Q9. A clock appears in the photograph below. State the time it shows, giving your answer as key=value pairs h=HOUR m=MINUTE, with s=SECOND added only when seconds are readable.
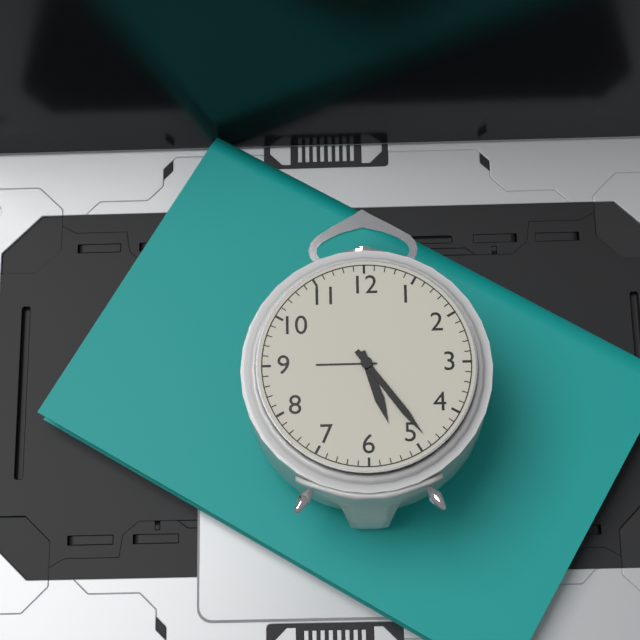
h=5 m=24
